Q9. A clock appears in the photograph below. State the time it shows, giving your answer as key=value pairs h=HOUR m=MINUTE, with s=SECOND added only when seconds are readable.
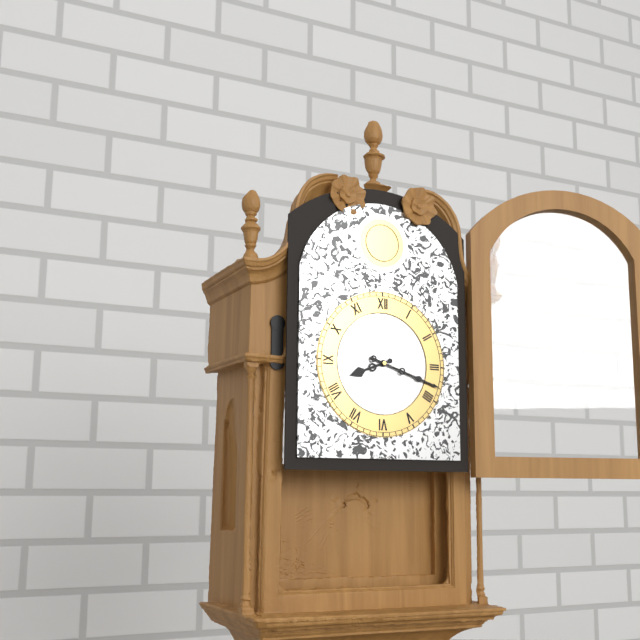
h=8 m=18
